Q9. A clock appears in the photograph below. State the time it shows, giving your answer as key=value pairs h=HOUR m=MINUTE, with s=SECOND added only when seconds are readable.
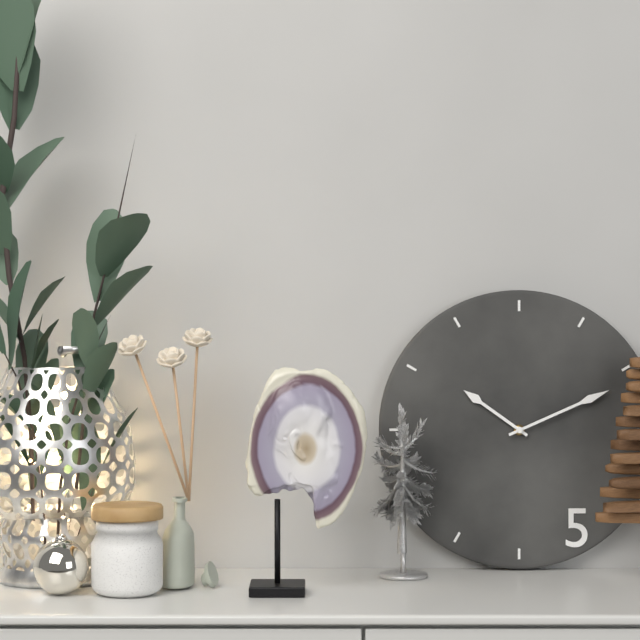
h=10 m=11
